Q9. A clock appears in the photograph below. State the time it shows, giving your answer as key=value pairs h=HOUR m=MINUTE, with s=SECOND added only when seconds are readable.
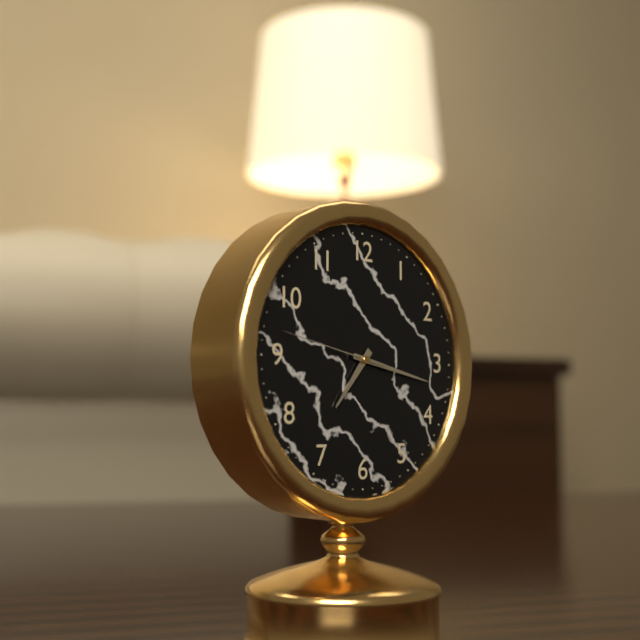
h=7 m=17 s=47
